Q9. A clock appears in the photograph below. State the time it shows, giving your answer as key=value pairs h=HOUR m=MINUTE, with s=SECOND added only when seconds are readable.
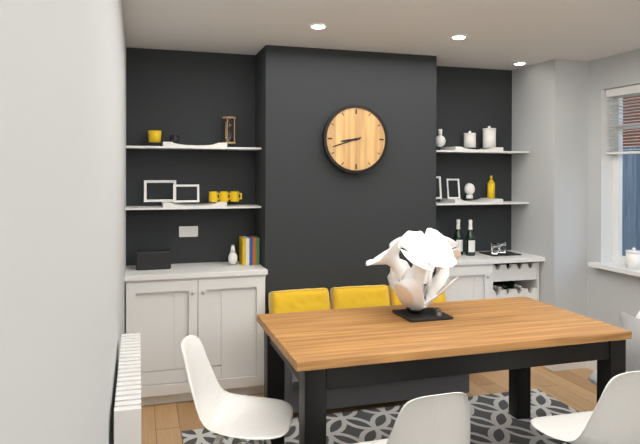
h=8 m=42
